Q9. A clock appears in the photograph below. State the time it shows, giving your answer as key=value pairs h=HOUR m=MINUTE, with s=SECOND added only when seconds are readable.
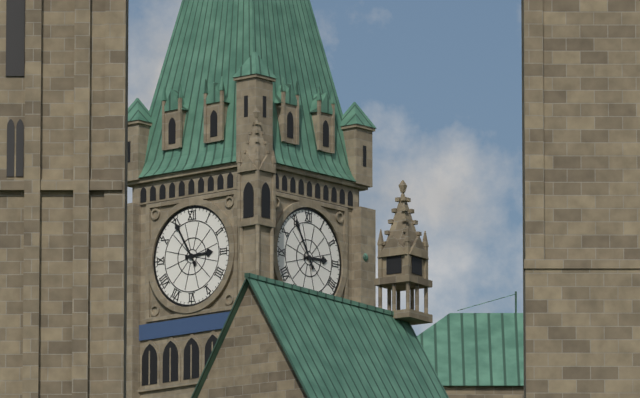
h=2 m=55
